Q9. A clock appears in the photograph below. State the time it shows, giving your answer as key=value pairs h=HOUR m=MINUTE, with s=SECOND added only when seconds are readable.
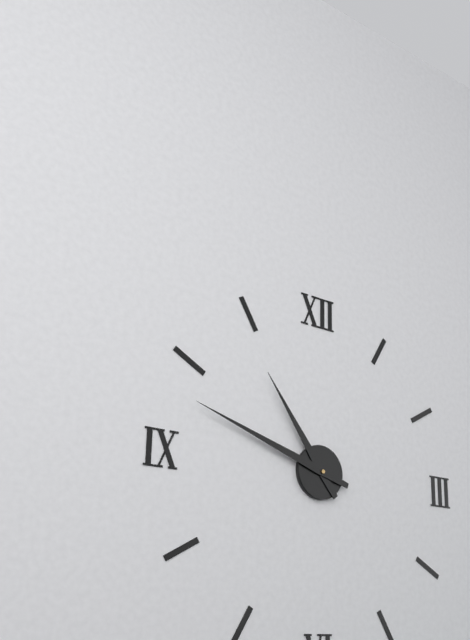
h=10 m=48
